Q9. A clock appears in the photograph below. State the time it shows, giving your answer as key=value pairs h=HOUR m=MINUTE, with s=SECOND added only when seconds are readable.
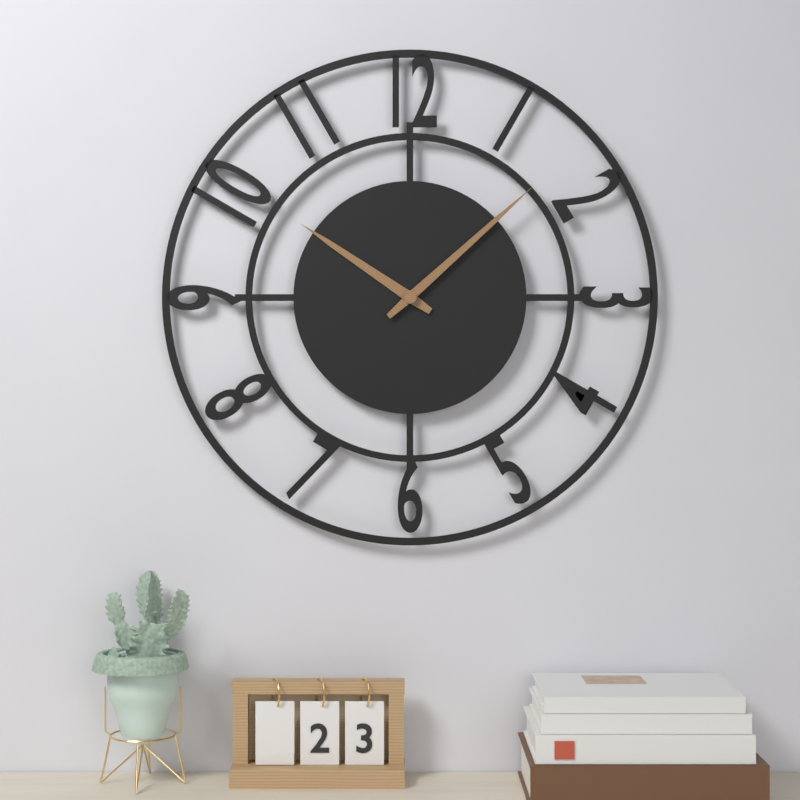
h=10 m=8
